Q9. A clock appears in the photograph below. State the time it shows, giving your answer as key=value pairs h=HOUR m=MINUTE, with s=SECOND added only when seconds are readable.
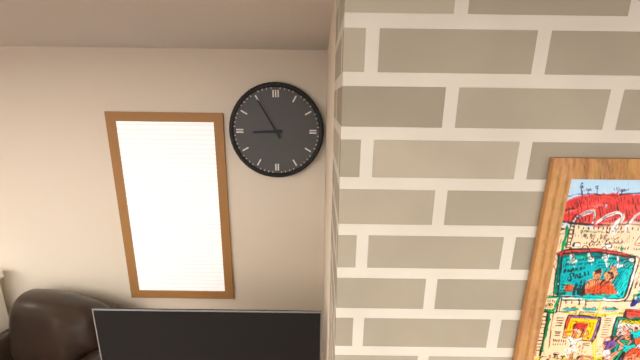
h=8 m=55
